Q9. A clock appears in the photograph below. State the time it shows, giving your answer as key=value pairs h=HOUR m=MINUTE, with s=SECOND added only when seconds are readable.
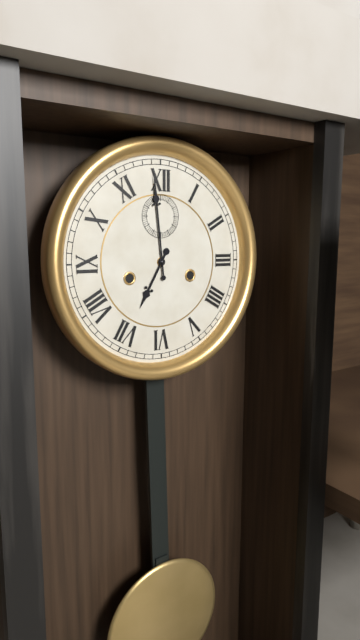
h=6 m=59
